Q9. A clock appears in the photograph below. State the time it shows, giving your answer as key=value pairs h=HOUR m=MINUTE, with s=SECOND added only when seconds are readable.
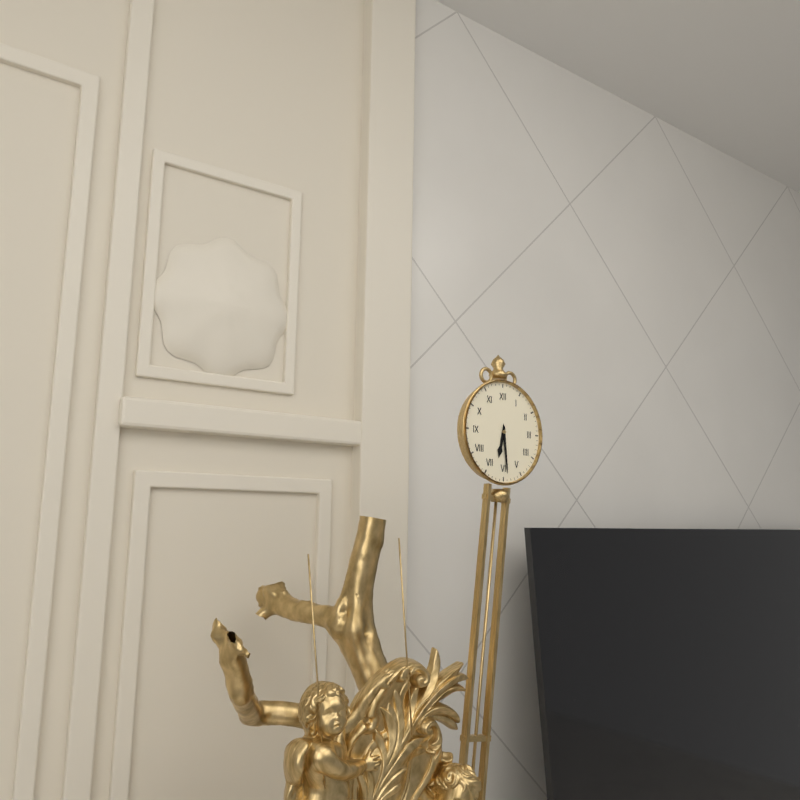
h=6 m=29
